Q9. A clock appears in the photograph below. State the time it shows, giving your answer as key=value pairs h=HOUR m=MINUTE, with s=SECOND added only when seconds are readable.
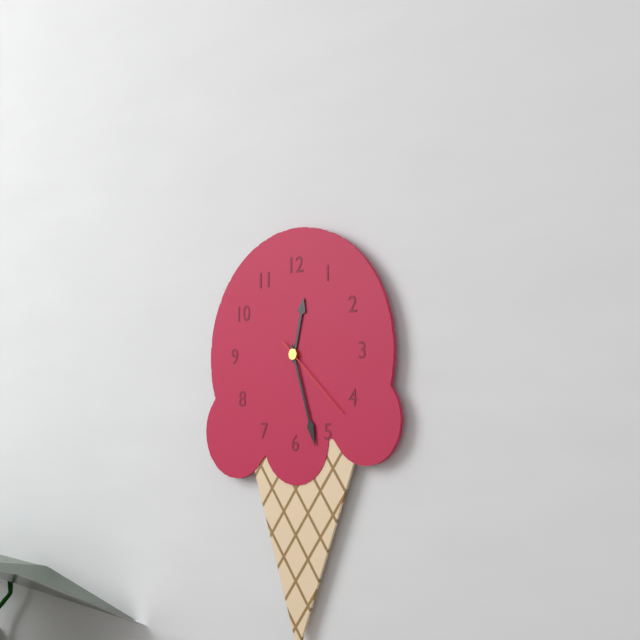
h=12 m=27 s=22
